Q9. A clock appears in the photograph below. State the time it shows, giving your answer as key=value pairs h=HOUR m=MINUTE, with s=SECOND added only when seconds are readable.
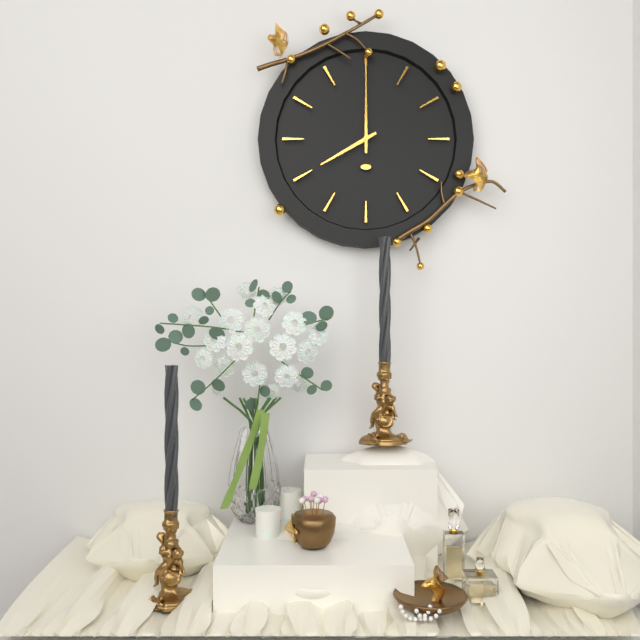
h=8 m=0
